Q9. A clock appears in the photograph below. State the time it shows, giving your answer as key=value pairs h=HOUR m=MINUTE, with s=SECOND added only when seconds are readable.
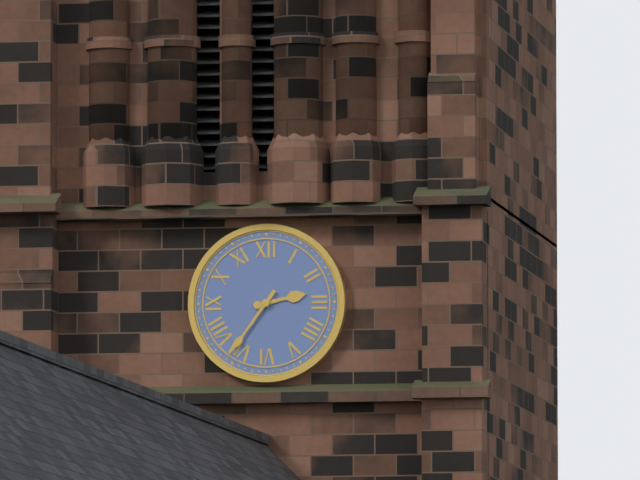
h=2 m=36
